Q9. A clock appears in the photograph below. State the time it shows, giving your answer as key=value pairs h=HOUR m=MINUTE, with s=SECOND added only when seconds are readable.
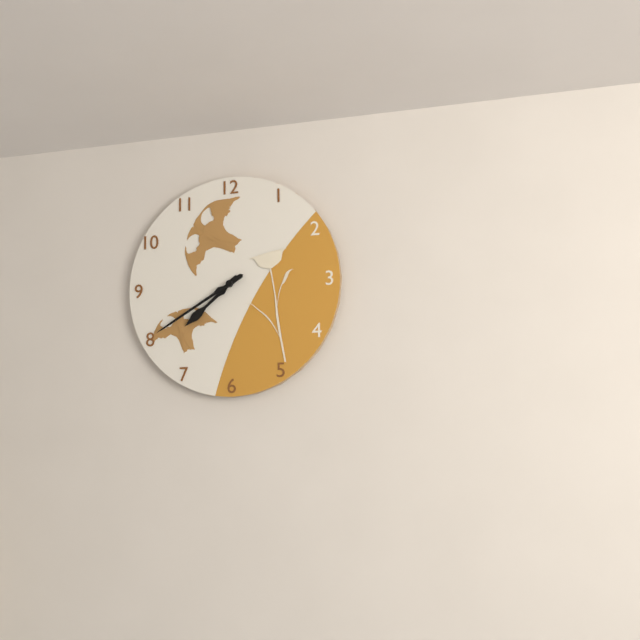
h=7 m=40
